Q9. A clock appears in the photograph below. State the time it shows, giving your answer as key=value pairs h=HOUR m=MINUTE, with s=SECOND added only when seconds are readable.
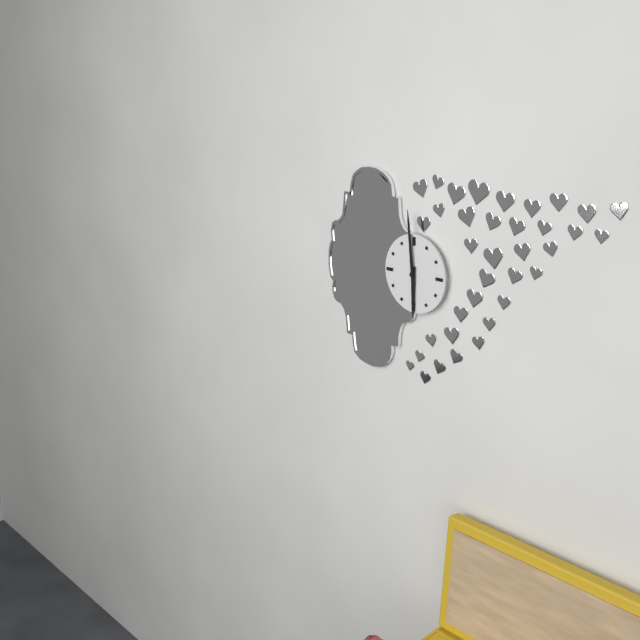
h=5 m=59
